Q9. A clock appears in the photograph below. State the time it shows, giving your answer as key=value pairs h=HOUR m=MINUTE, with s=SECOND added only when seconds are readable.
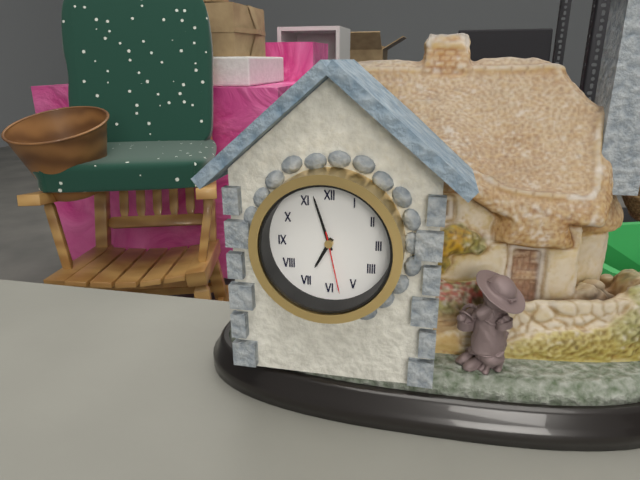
h=6 m=57 s=28
